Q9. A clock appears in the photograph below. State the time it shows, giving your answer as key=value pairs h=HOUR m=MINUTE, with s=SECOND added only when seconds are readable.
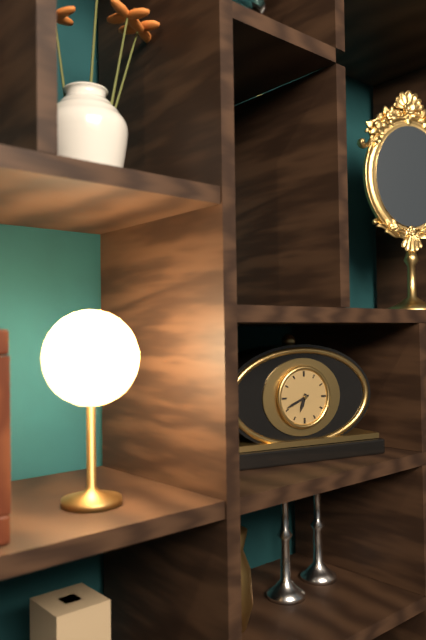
h=6 m=41
